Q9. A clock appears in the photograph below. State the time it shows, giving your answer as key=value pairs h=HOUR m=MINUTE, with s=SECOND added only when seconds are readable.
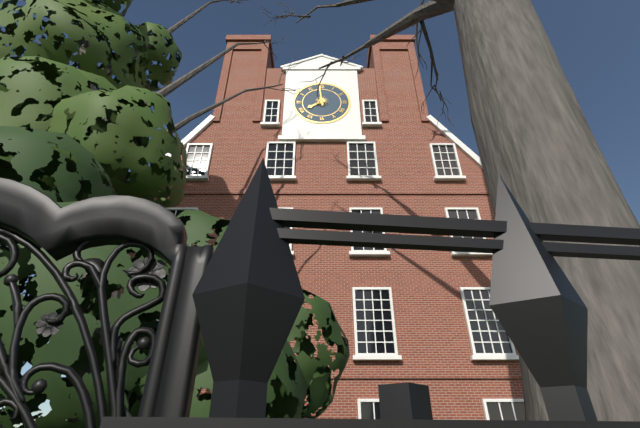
h=7 m=59
